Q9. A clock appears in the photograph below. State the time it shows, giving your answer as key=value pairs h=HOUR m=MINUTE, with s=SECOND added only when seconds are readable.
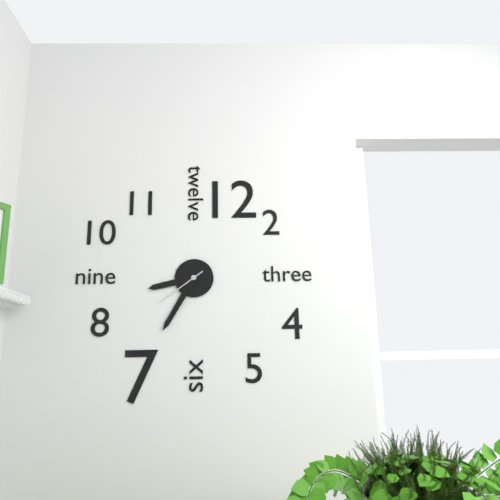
h=8 m=35 s=39
